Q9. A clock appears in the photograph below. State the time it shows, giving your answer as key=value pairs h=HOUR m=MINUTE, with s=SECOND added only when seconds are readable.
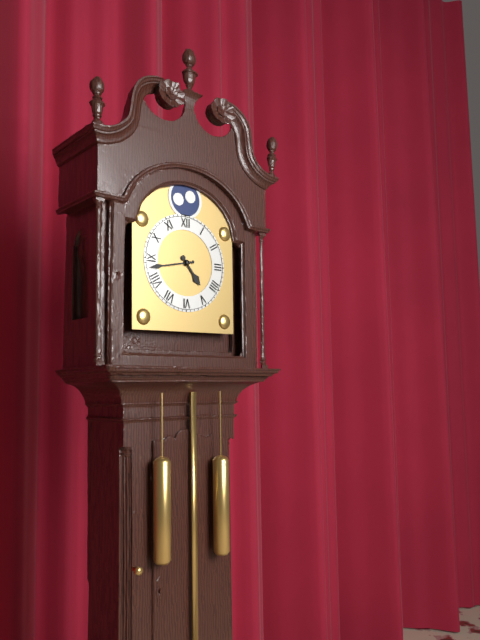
h=4 m=43
